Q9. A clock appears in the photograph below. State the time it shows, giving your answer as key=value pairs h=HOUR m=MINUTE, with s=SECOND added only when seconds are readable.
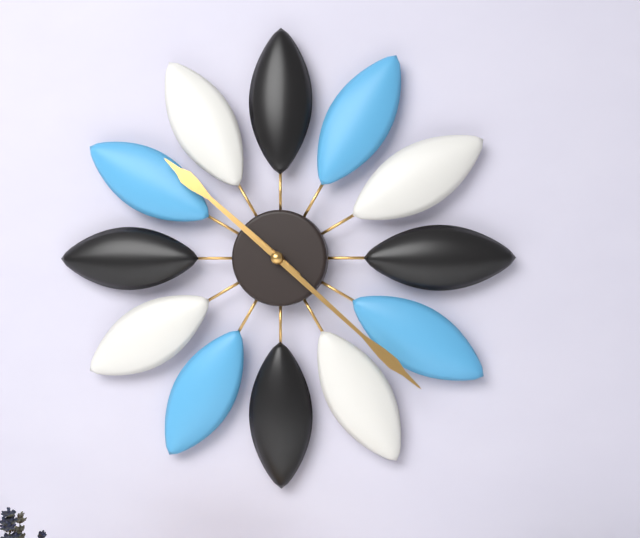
h=10 m=22
